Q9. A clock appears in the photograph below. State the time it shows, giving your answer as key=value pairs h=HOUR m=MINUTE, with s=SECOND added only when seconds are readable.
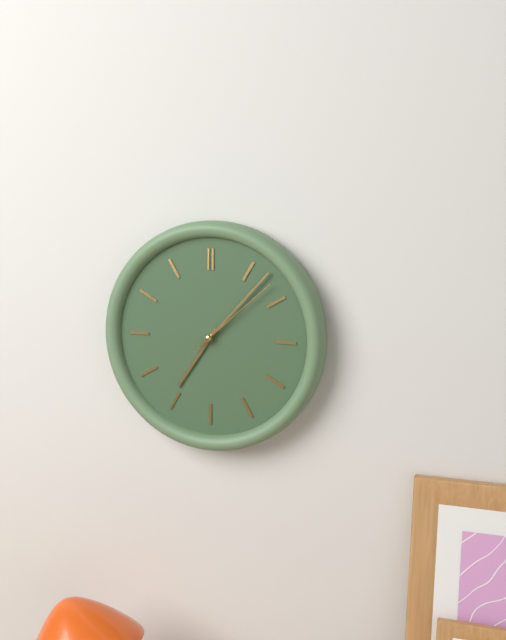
h=7 m=7 s=8
